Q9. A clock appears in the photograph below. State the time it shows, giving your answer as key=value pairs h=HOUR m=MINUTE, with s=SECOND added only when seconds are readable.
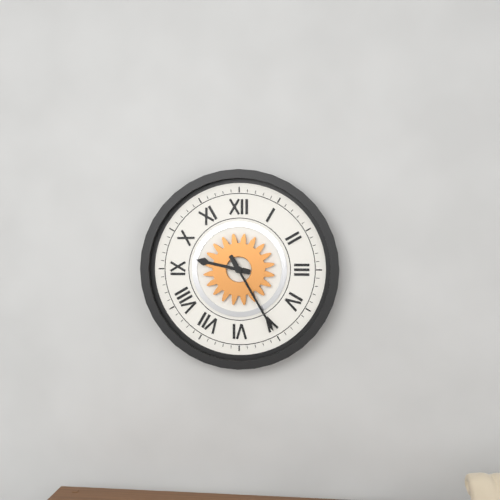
h=9 m=25
